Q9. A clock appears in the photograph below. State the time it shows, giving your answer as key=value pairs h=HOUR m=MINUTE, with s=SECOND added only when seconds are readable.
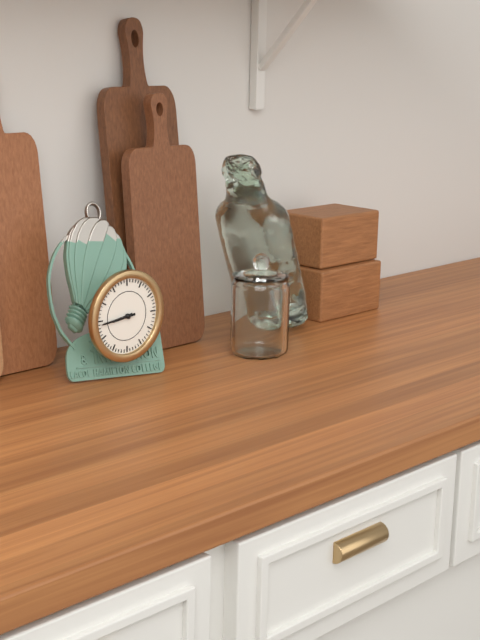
h=8 m=44
